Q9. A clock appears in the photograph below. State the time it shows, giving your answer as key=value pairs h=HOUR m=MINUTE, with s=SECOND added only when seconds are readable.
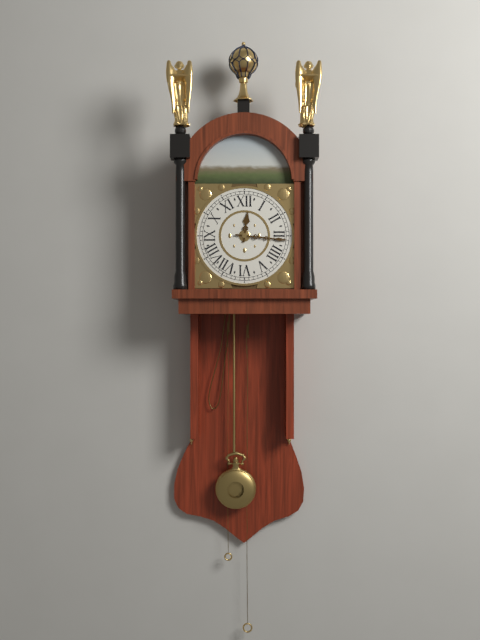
h=12 m=16
